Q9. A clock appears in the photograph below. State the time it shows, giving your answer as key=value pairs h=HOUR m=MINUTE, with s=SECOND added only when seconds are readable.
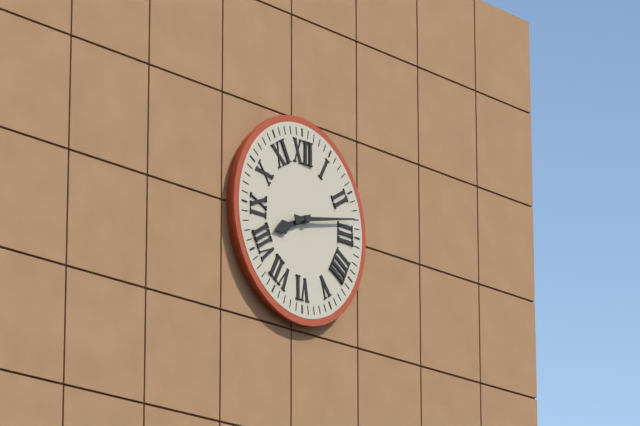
h=8 m=13
